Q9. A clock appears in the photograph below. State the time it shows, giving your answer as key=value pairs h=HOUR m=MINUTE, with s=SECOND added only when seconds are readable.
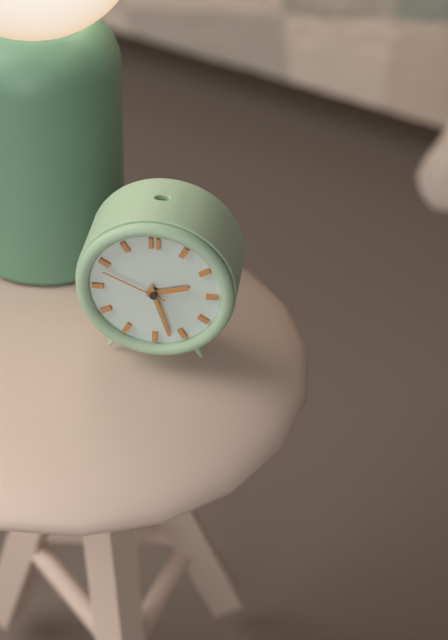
h=2 m=27 s=49
